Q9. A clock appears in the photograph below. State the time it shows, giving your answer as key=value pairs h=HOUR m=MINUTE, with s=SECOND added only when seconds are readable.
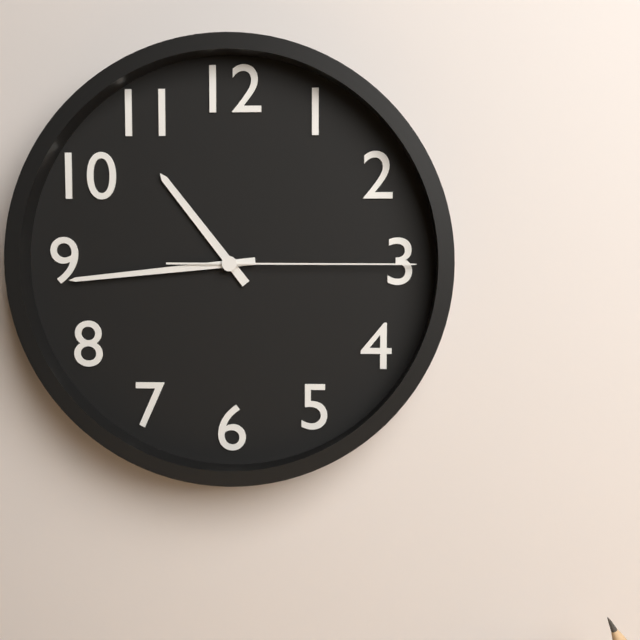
h=10 m=44 s=15
